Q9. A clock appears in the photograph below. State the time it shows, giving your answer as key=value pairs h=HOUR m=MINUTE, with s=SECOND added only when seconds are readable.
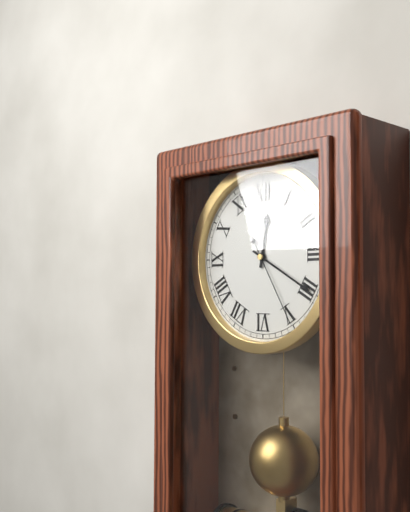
h=12 m=20 s=25
